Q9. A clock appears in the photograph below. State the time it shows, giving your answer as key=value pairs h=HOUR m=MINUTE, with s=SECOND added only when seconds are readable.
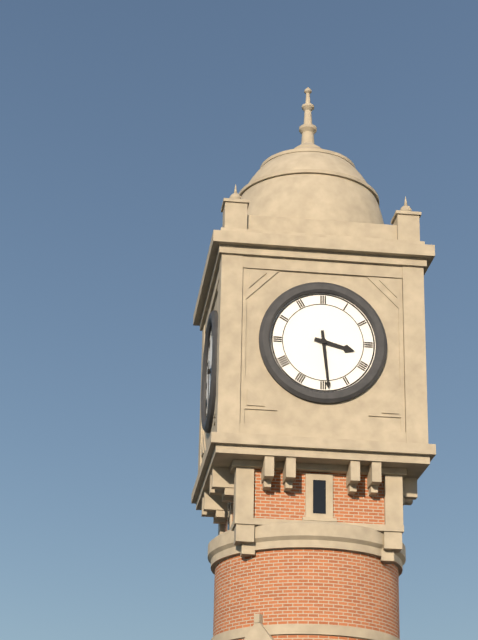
h=3 m=29
